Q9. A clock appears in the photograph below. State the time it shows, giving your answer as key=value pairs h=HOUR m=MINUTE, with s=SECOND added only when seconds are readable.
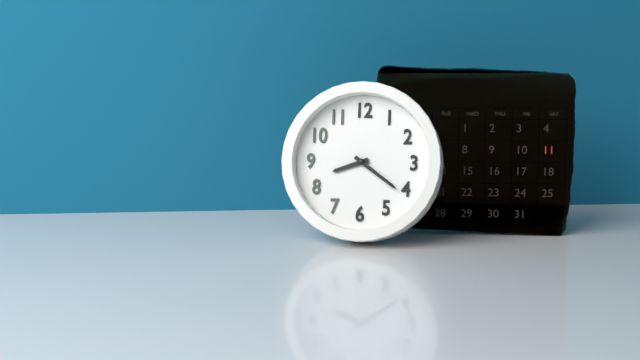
h=8 m=21
